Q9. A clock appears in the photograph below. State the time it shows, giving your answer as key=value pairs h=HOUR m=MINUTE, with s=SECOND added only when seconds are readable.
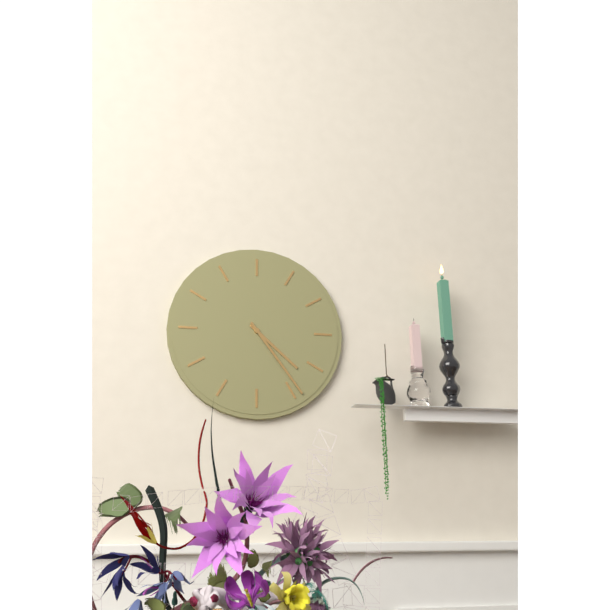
h=4 m=24
